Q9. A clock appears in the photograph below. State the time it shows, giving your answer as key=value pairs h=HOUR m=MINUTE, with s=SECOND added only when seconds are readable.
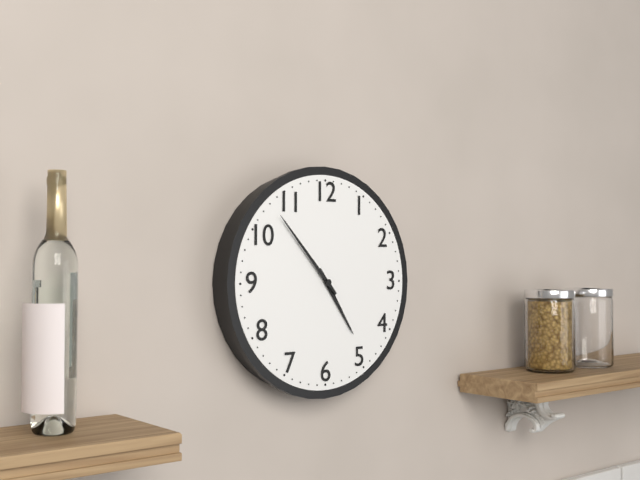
h=4 m=53
